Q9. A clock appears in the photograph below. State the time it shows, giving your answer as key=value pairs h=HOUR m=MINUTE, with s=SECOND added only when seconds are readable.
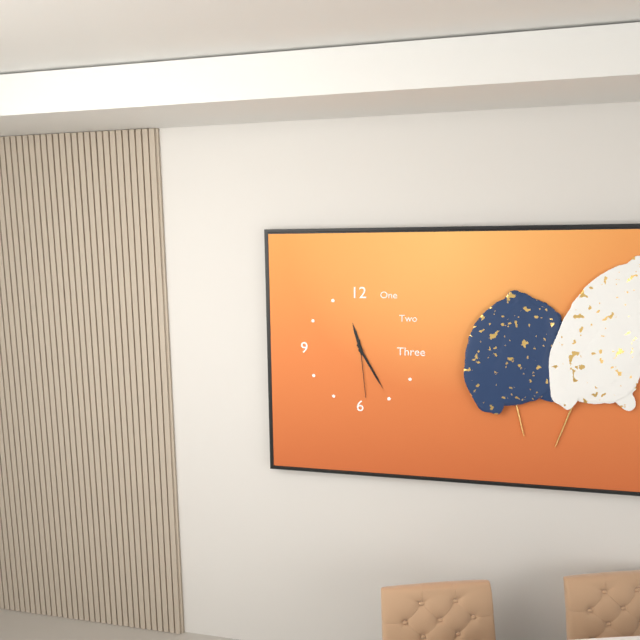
h=11 m=25 s=29
